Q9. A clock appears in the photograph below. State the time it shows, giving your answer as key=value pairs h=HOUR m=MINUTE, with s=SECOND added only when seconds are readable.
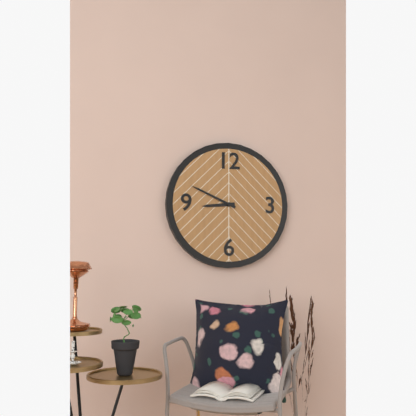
h=8 m=49
